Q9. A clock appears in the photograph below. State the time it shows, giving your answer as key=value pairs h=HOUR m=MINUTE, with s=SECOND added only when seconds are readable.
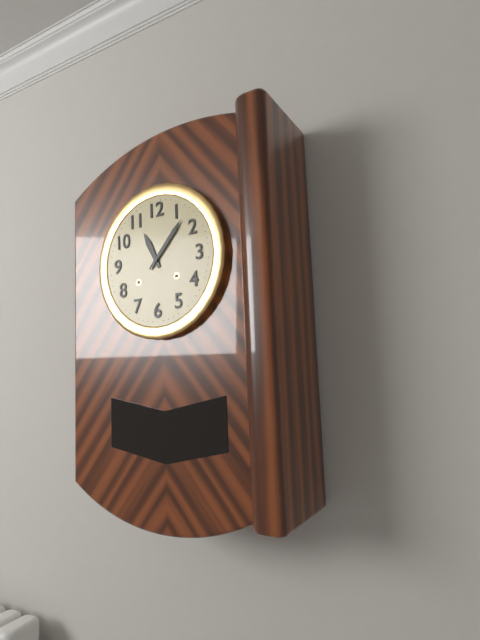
h=11 m=7
